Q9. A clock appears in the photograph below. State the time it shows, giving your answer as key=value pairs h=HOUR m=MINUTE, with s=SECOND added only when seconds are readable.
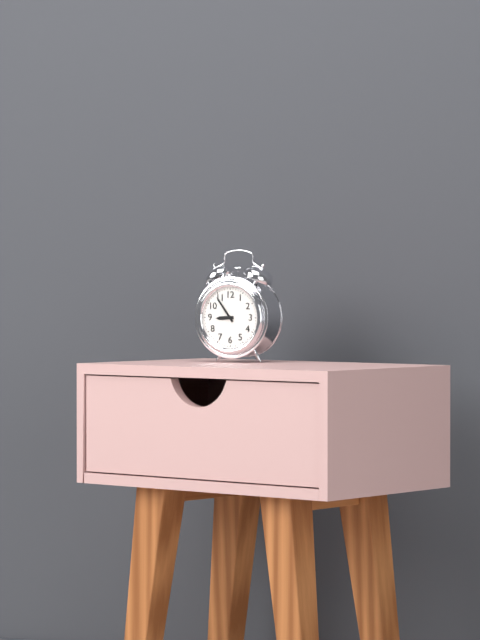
h=8 m=54
